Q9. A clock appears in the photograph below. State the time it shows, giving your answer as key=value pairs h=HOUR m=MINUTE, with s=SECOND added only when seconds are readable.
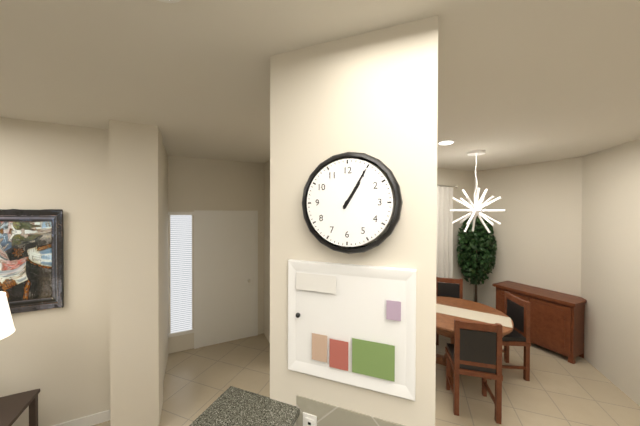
h=1 m=5
